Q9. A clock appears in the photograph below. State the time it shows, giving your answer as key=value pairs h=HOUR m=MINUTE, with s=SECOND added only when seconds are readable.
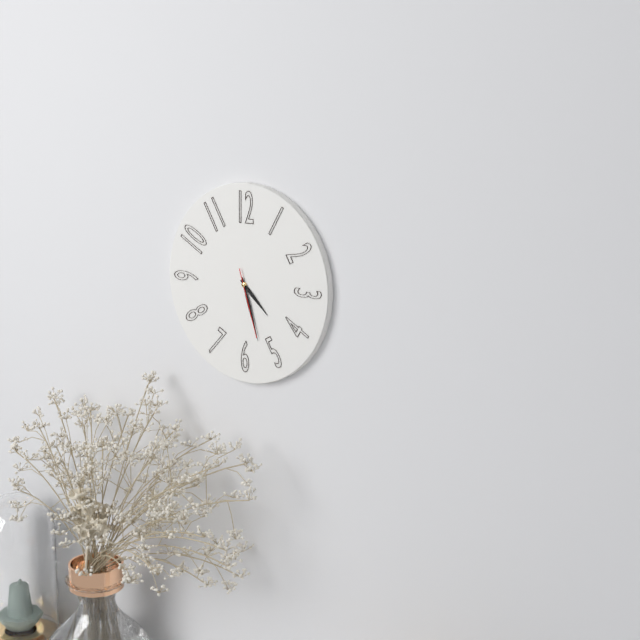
h=4 m=27 s=27
